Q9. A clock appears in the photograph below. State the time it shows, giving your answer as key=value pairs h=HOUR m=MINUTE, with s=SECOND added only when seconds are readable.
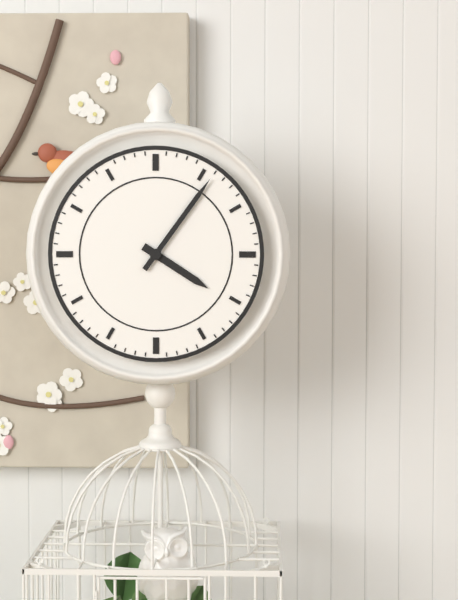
h=4 m=6
